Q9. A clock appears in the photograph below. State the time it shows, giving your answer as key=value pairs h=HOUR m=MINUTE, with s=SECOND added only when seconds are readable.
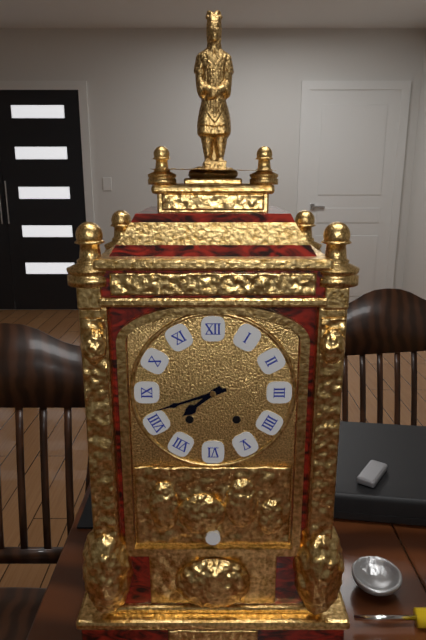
h=7 m=42
